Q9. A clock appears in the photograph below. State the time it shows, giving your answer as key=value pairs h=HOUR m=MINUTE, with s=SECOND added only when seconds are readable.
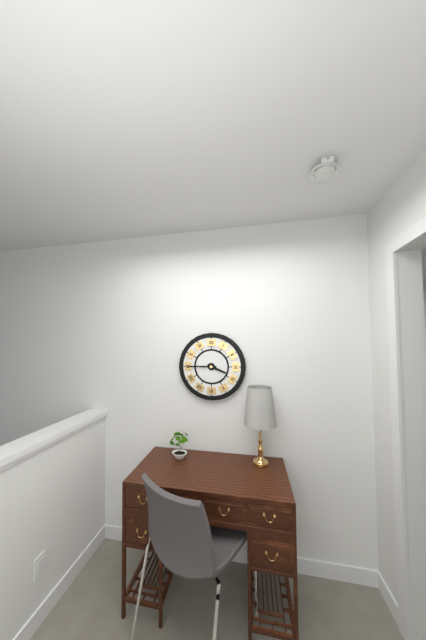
h=3 m=45
